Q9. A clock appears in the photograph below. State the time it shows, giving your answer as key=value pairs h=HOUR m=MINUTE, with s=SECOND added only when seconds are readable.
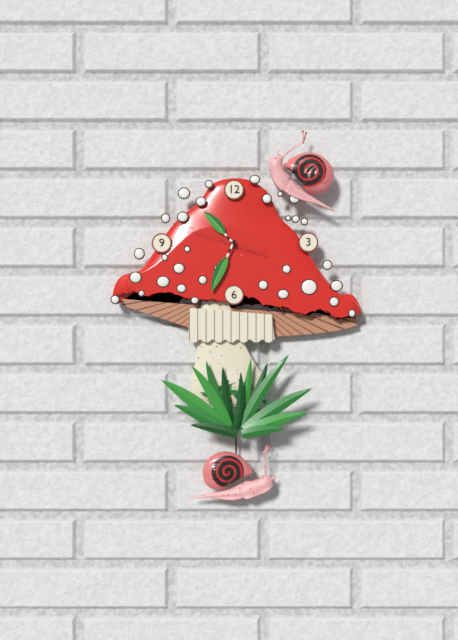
h=10 m=34 s=48
